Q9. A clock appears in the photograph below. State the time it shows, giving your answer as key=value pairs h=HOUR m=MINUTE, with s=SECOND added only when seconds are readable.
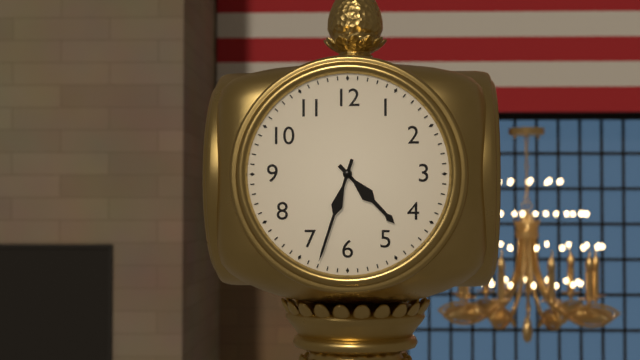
h=4 m=33
